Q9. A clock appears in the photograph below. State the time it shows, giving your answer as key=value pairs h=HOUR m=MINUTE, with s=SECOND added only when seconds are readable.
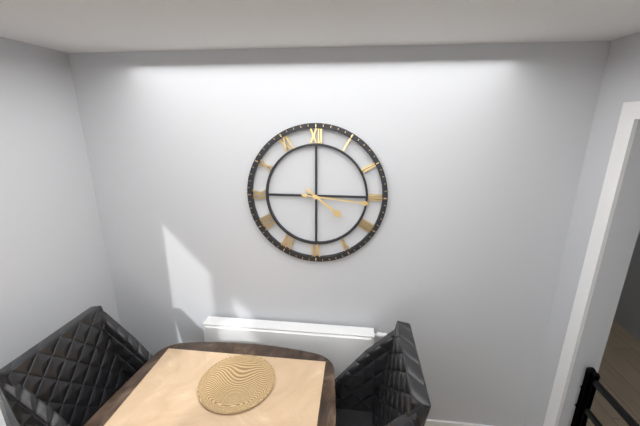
h=4 m=16
